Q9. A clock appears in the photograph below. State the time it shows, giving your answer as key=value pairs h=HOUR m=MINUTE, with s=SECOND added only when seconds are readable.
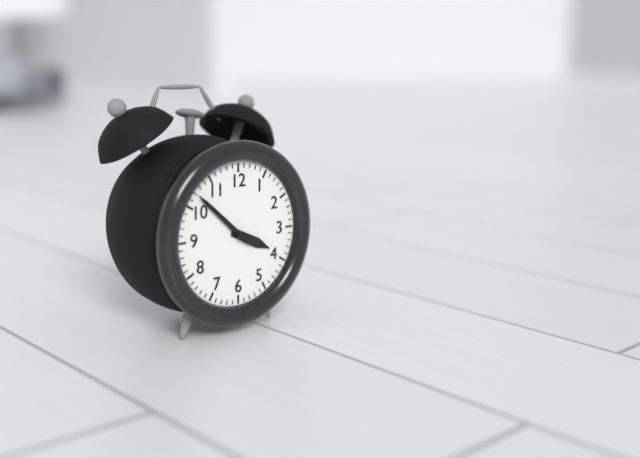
h=3 m=52 s=52
